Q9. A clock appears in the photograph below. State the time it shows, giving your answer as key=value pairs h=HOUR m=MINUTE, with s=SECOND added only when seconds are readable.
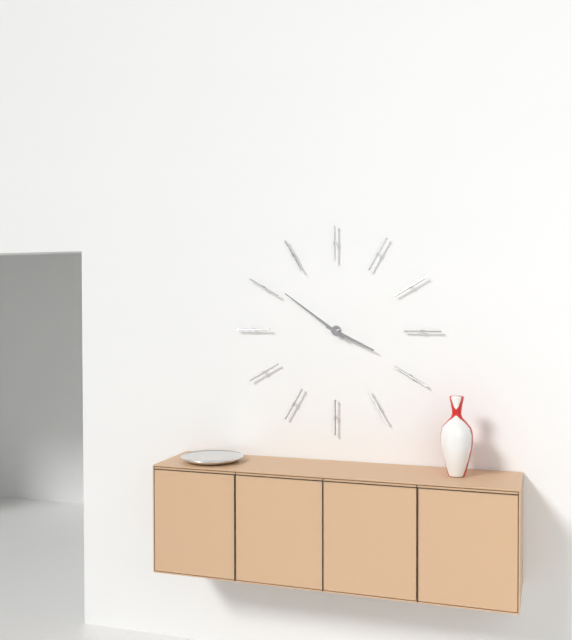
h=3 m=51
